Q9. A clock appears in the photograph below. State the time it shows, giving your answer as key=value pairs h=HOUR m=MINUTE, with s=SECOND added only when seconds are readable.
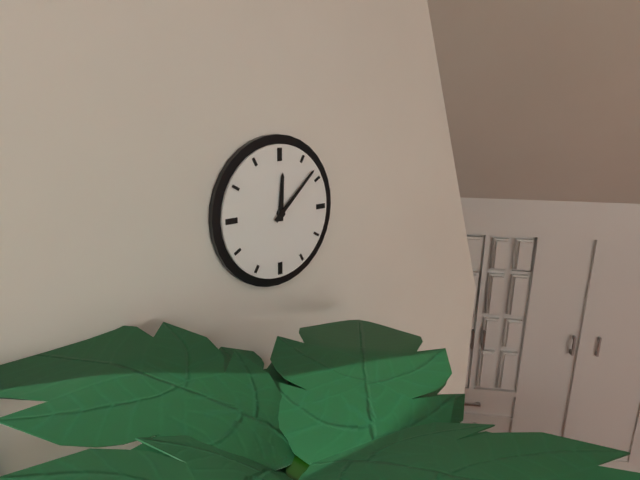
h=12 m=8
